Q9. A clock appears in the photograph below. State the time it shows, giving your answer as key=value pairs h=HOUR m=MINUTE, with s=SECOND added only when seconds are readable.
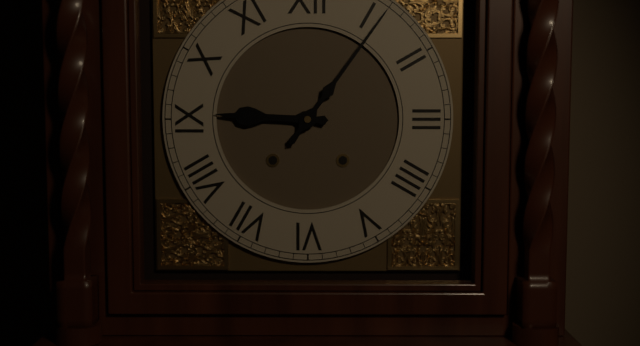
h=9 m=6
